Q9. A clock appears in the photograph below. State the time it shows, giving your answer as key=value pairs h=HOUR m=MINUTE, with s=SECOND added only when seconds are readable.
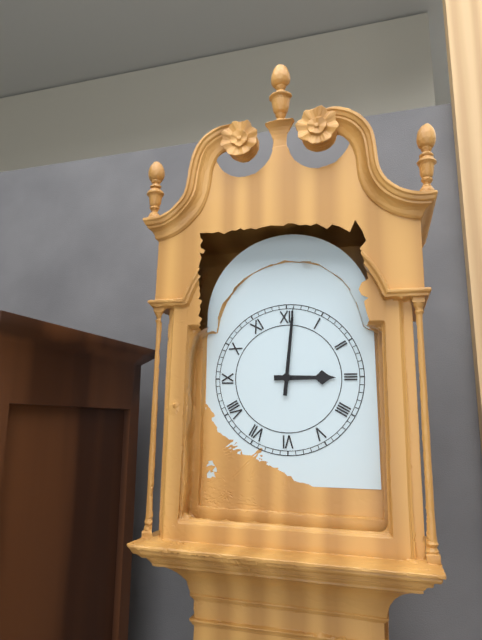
h=3 m=1
